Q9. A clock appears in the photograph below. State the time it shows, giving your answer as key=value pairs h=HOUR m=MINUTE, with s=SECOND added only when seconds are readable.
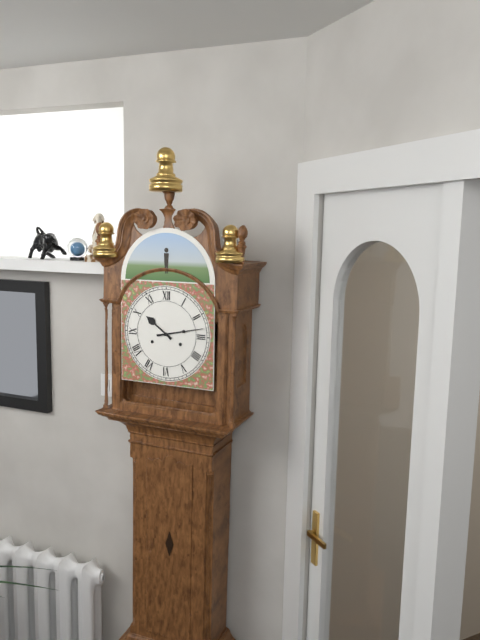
h=10 m=13
